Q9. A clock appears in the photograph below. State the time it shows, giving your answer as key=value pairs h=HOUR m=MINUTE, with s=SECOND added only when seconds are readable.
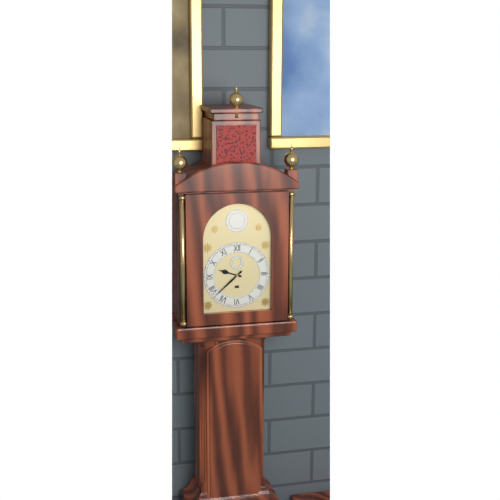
h=9 m=38
